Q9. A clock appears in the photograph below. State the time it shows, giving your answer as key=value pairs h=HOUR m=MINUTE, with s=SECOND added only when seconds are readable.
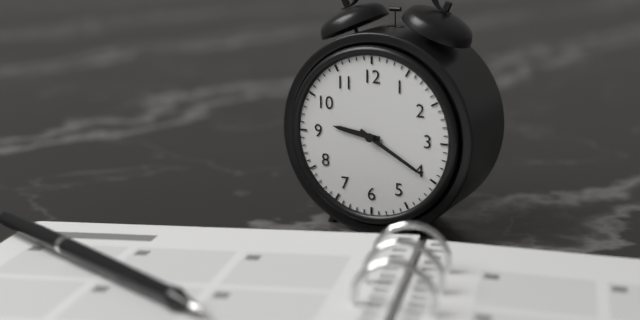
h=9 m=20
